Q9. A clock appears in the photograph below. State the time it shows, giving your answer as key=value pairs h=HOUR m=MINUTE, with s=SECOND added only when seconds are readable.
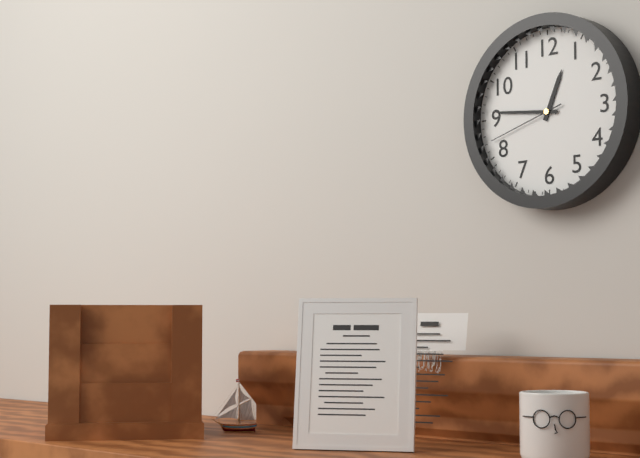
h=12 m=46 s=42
